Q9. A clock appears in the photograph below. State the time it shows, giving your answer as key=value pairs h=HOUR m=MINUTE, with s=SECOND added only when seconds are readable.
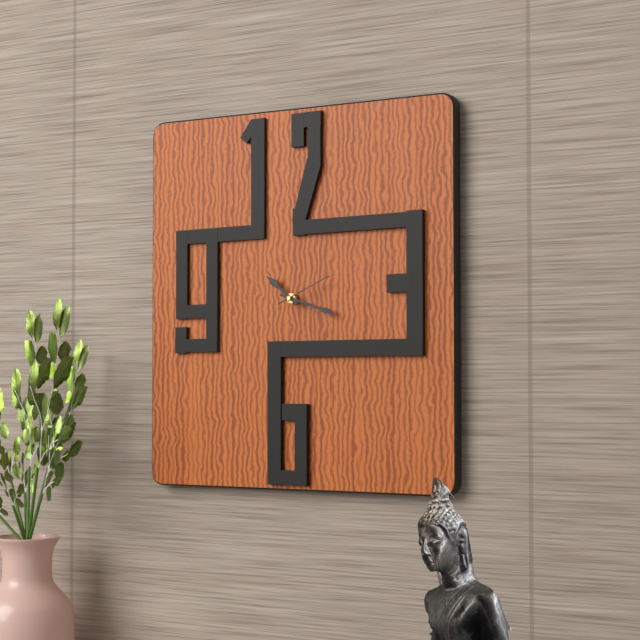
h=10 m=18
